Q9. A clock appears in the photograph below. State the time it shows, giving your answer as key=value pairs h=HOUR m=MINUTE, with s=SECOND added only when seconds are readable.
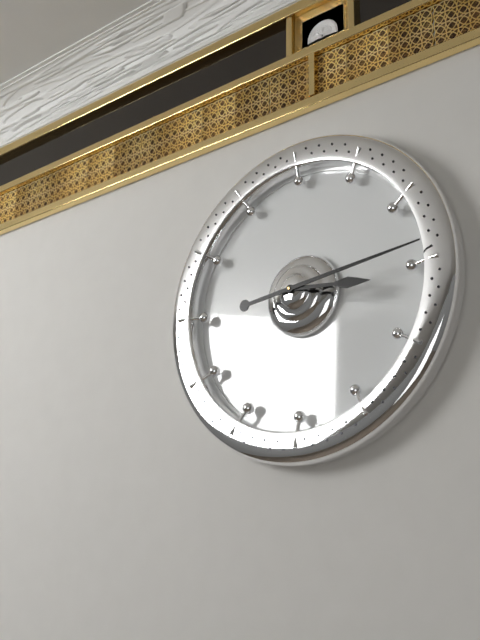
h=3 m=14
